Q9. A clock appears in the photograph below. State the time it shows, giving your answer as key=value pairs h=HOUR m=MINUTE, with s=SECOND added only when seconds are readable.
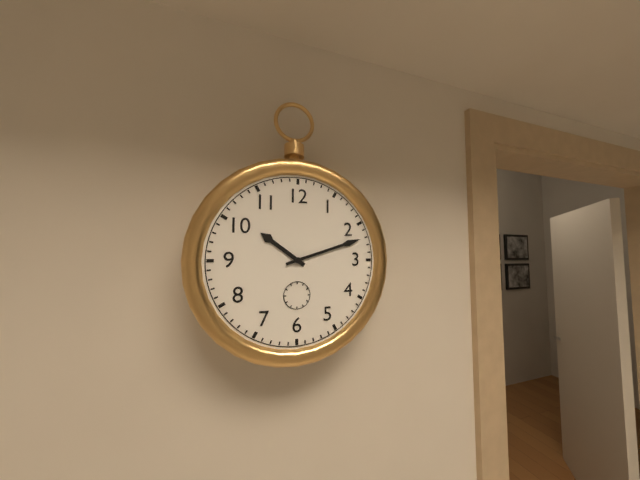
h=10 m=12
